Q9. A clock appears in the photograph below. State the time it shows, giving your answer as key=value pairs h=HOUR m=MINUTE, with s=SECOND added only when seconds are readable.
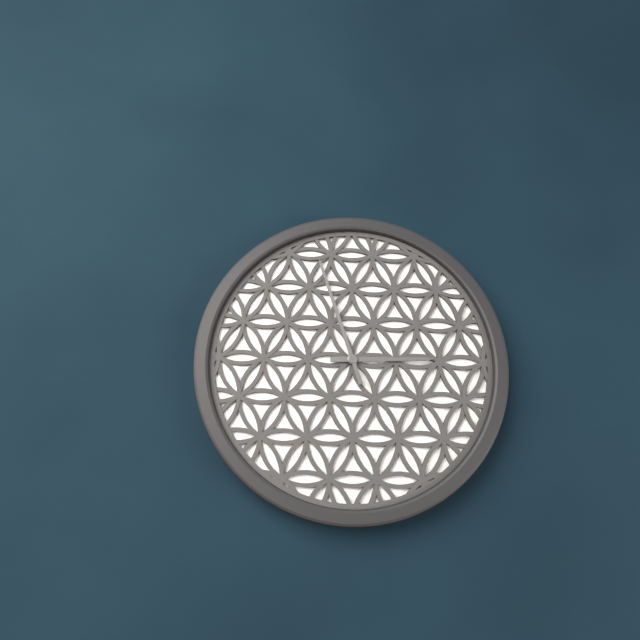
h=2 m=57
